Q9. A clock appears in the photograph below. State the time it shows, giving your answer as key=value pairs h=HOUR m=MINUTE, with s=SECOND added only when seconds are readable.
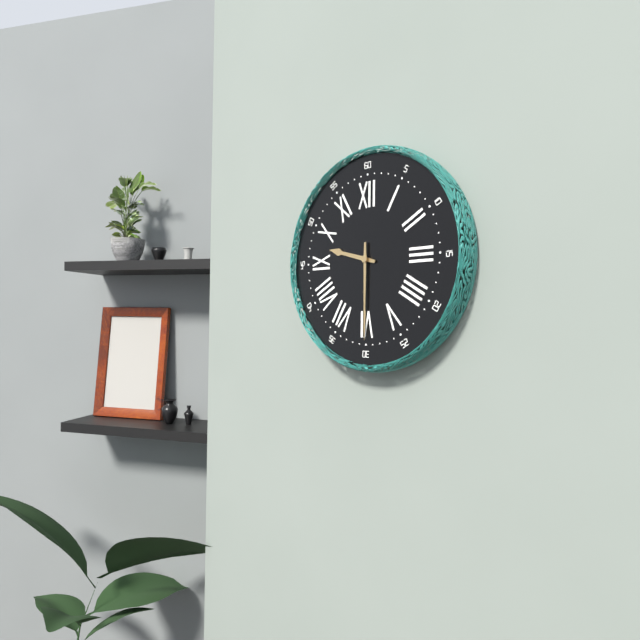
h=9 m=30
